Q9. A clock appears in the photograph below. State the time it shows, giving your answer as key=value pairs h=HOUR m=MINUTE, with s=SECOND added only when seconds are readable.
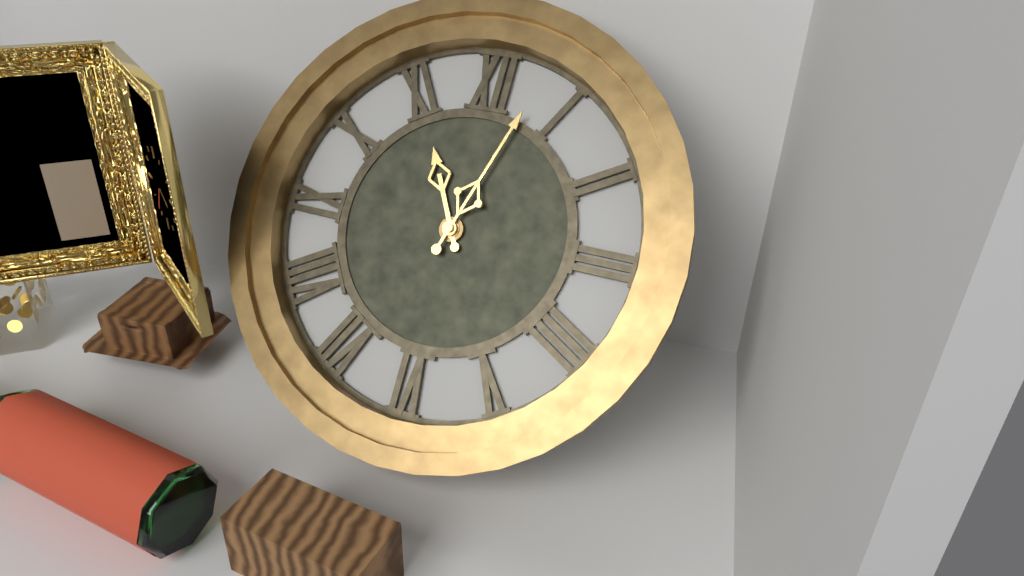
h=11 m=3
